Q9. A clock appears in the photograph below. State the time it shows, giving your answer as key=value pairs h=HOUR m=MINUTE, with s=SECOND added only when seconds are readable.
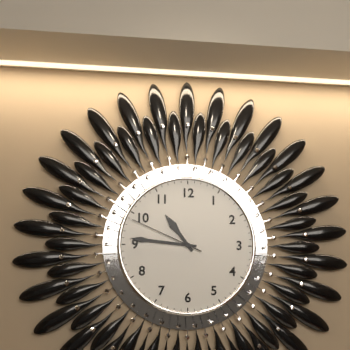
h=10 m=46 s=49
